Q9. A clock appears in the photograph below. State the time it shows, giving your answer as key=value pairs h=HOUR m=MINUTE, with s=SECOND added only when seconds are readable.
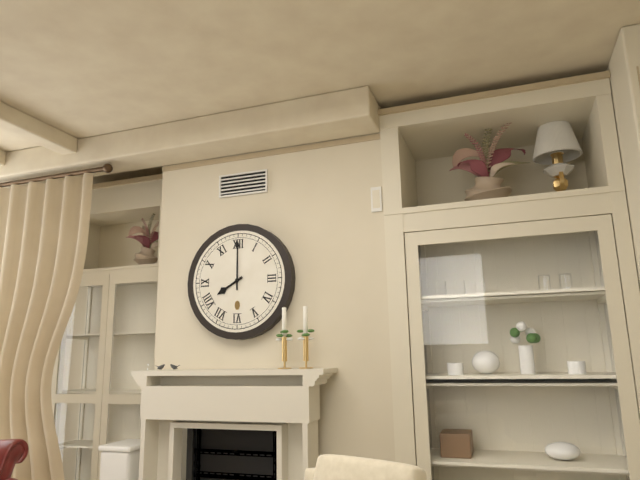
h=8 m=0
